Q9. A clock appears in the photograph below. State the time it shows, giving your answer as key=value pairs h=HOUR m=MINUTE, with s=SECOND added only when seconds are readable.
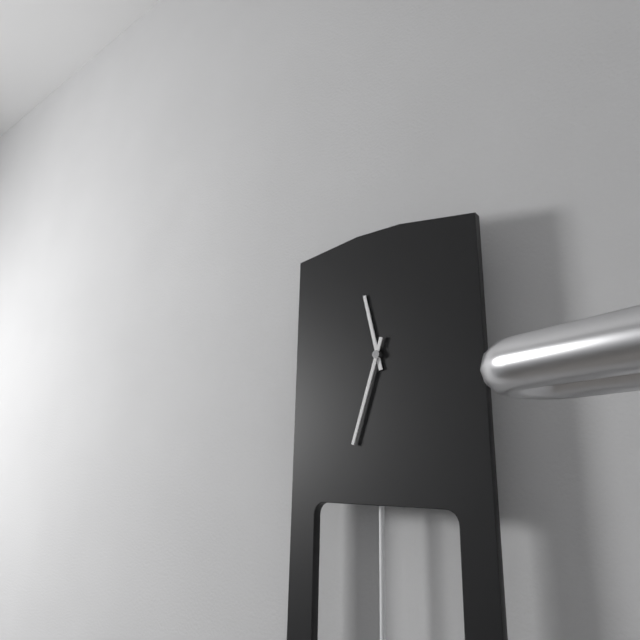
h=11 m=33
